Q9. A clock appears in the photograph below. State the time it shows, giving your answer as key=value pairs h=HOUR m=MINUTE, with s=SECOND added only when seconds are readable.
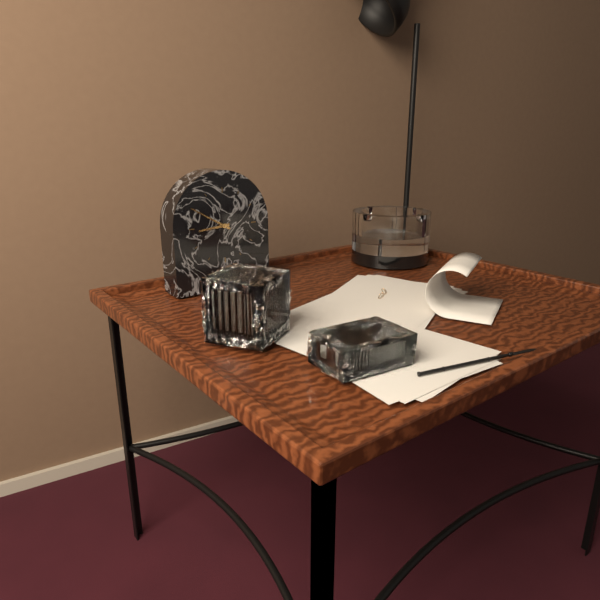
h=8 m=50
